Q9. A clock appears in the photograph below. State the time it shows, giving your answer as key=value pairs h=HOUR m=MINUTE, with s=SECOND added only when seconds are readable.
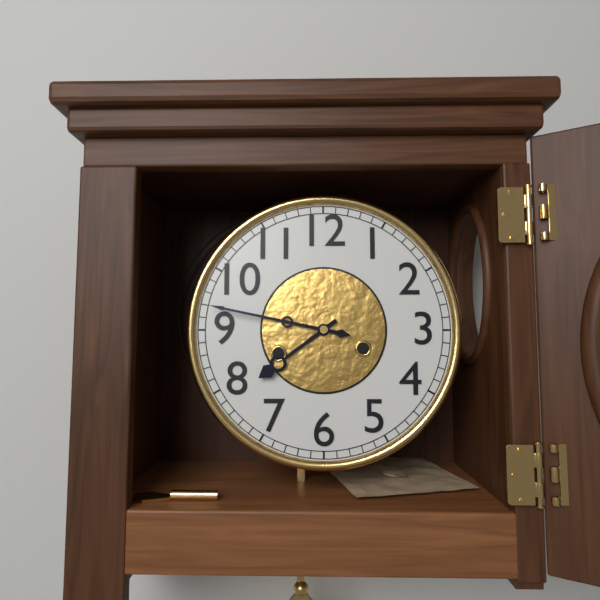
h=7 m=47
